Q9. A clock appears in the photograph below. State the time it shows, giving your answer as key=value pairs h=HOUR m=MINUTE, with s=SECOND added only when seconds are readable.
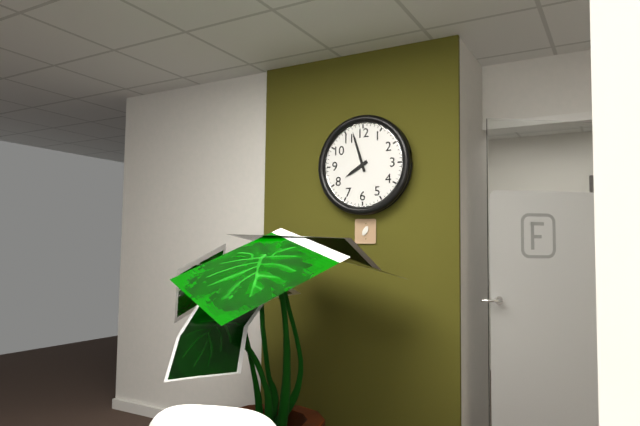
h=7 m=57
